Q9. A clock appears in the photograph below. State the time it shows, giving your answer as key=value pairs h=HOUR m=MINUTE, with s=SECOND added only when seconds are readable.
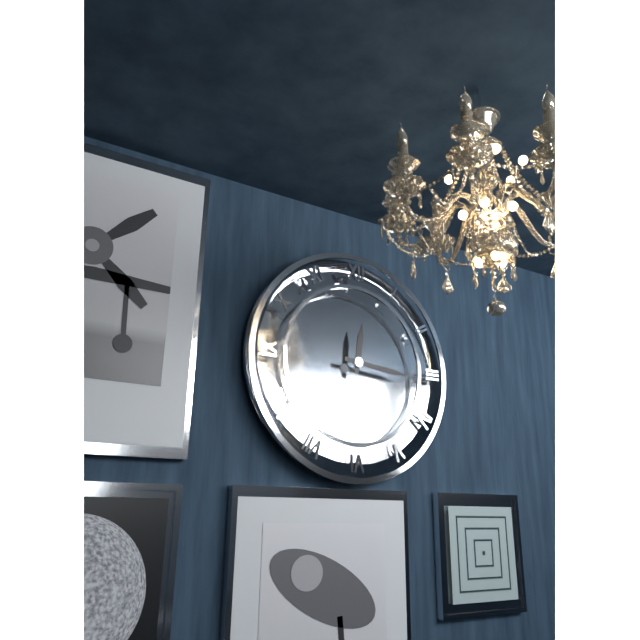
h=12 m=16
